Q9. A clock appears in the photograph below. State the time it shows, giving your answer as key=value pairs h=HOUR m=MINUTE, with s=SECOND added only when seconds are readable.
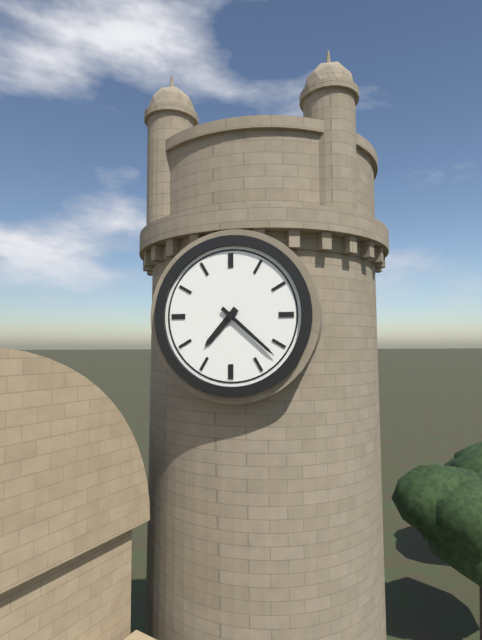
h=7 m=22
